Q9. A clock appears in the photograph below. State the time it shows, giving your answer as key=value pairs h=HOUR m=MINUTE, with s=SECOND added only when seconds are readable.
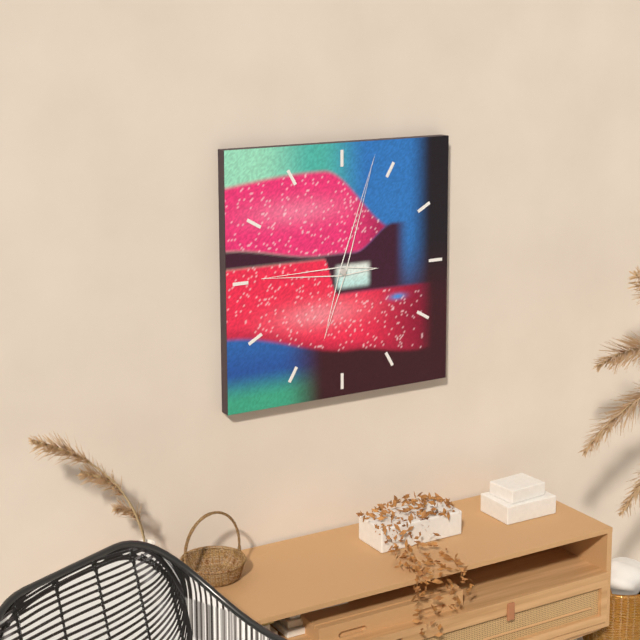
h=9 m=3
